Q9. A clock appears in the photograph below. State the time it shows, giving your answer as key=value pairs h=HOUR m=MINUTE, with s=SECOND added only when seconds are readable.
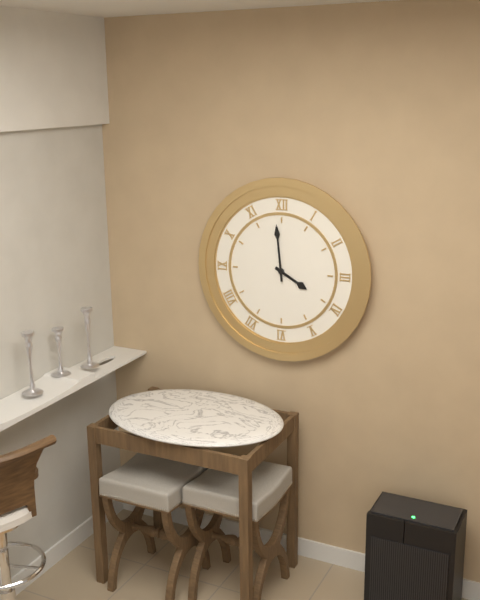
h=3 m=59
